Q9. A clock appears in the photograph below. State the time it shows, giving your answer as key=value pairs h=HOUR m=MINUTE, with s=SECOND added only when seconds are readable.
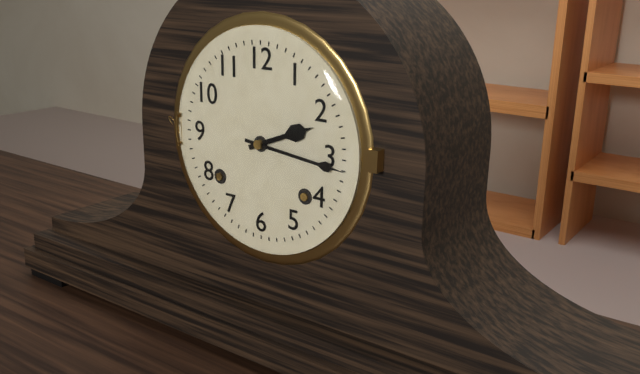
h=2 m=16
